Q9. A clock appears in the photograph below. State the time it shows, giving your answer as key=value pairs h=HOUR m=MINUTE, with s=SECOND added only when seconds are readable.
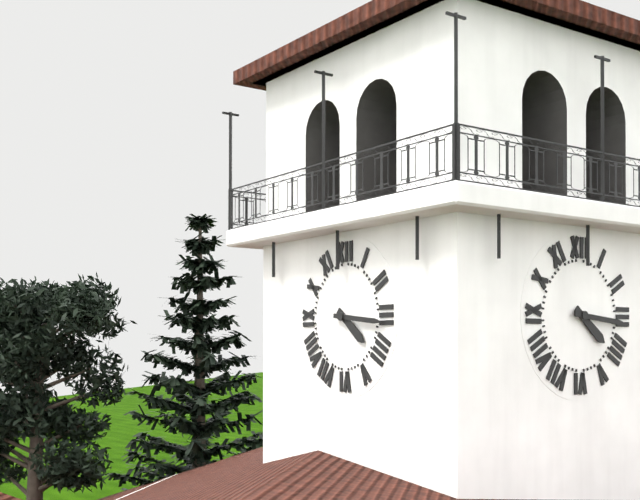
h=4 m=16
